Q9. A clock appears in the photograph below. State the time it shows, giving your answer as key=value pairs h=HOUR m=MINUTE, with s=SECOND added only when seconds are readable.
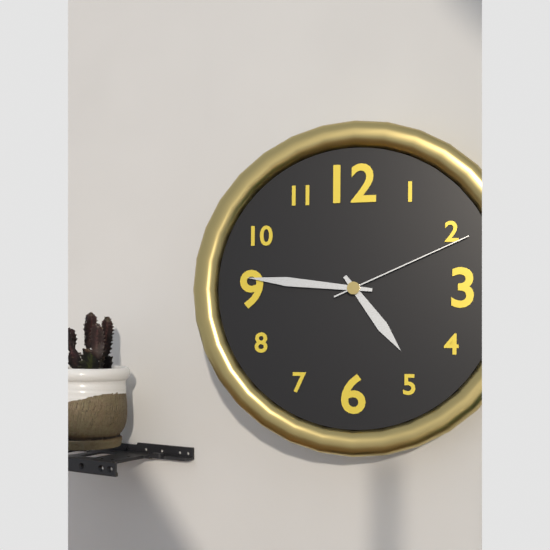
h=4 m=46 s=11
